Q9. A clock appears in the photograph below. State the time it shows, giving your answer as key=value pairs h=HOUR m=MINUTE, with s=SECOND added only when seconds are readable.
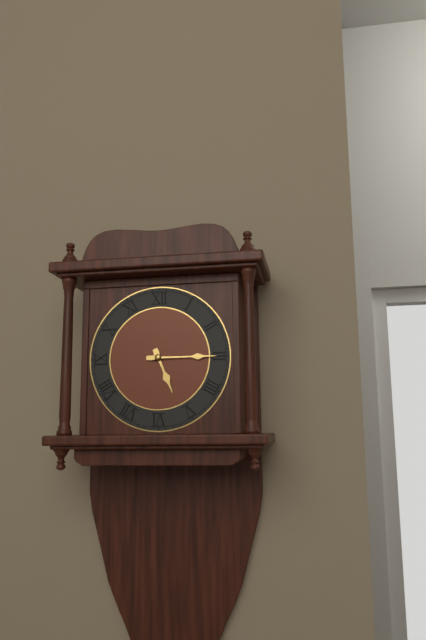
h=5 m=15
